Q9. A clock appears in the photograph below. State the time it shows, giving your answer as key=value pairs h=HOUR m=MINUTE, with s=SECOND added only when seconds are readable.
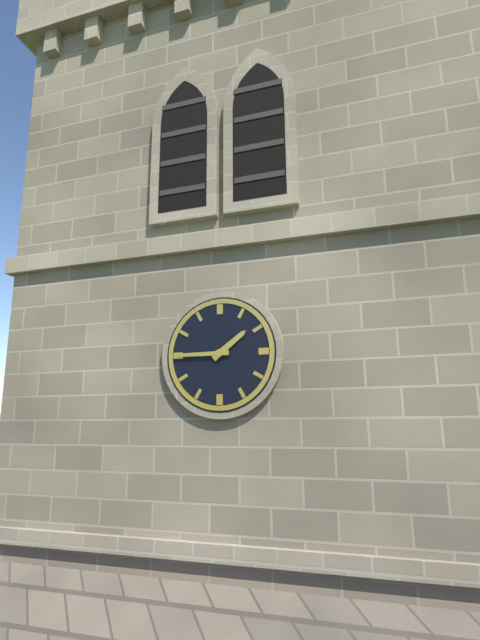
h=1 m=45
